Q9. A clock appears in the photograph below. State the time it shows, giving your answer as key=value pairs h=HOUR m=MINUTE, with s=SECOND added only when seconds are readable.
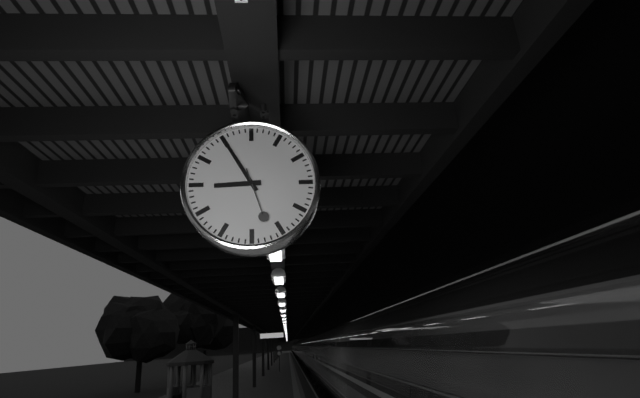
h=8 m=55 s=27
